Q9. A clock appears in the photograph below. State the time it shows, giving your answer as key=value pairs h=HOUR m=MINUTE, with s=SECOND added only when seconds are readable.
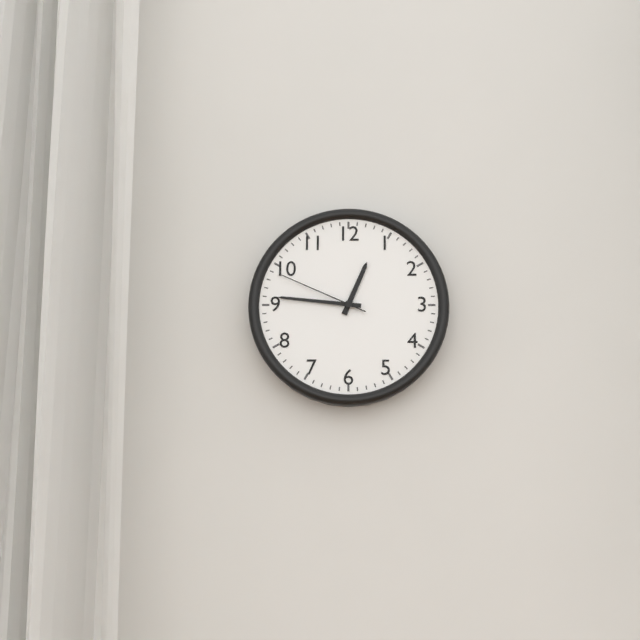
h=12 m=46 s=49
